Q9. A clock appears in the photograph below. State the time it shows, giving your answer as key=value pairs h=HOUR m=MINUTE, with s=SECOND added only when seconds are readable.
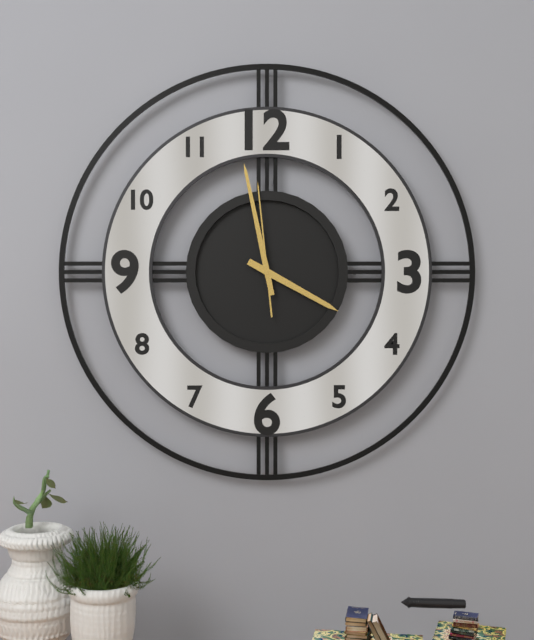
h=3 m=58 s=59
